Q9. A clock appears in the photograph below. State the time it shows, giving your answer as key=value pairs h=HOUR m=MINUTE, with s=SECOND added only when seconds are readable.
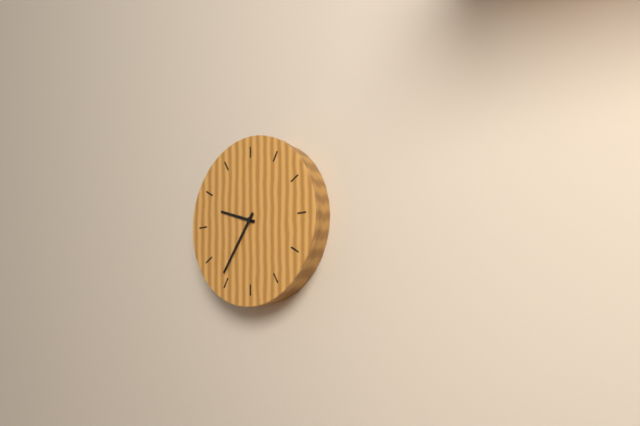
h=9 m=36
